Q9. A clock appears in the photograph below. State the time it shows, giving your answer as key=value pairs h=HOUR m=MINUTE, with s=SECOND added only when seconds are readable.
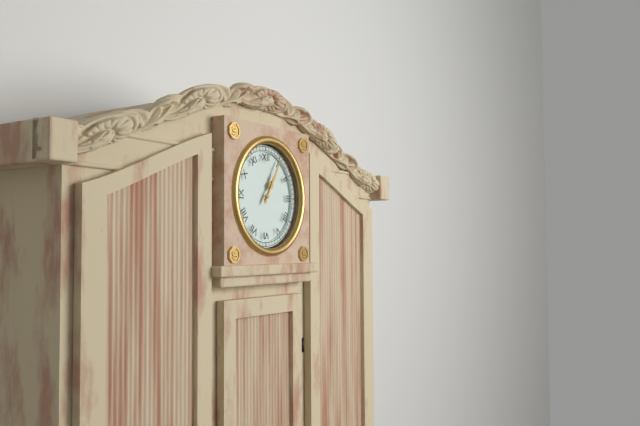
h=1 m=5
